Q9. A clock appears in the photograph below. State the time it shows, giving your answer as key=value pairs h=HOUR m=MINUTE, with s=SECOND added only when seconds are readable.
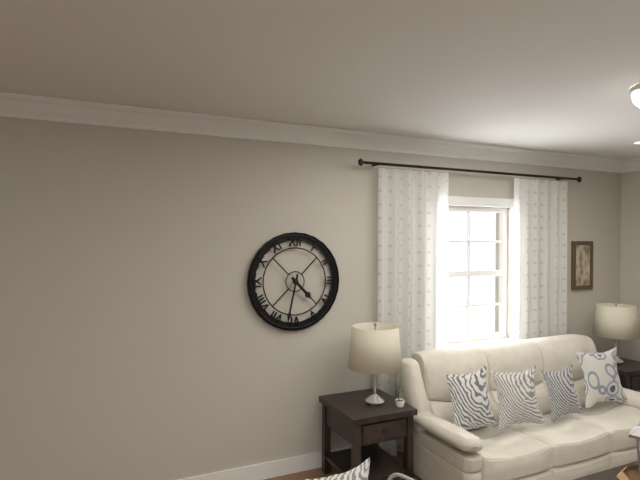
h=4 m=32
